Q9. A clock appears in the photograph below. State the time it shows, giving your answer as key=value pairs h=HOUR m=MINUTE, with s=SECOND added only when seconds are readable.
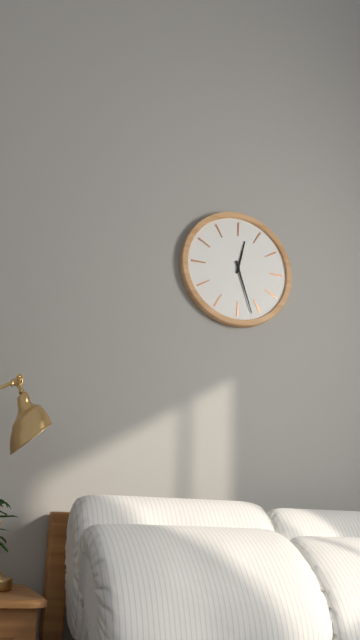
h=12 m=27
